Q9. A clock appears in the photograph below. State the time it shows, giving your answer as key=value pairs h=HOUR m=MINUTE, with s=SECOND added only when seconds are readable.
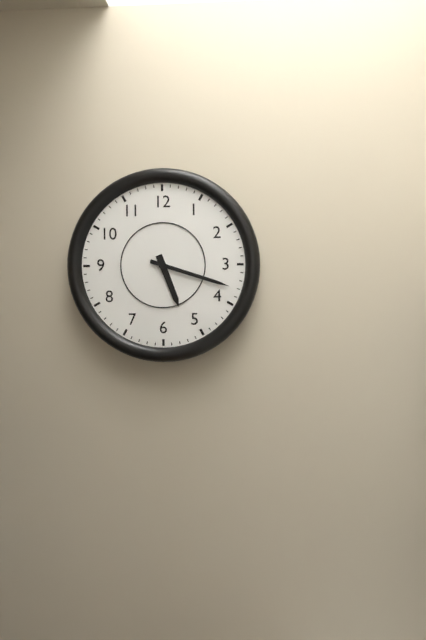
h=5 m=18
